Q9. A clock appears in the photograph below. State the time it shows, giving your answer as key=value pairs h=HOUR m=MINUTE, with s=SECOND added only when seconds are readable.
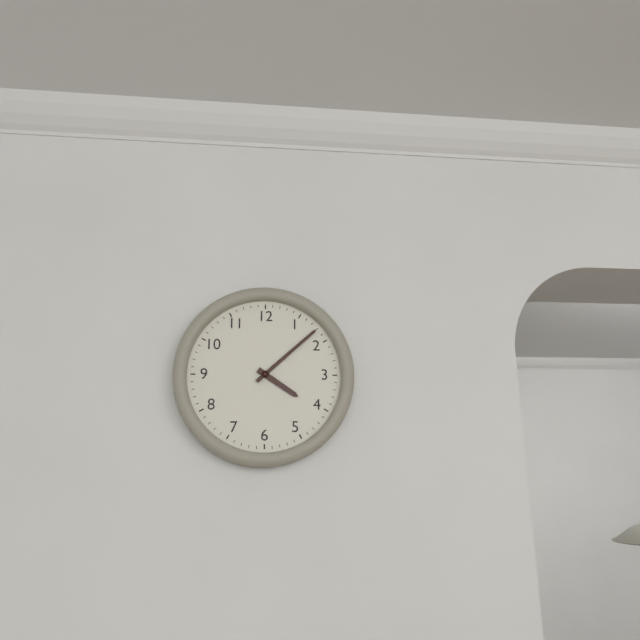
h=4 m=8
